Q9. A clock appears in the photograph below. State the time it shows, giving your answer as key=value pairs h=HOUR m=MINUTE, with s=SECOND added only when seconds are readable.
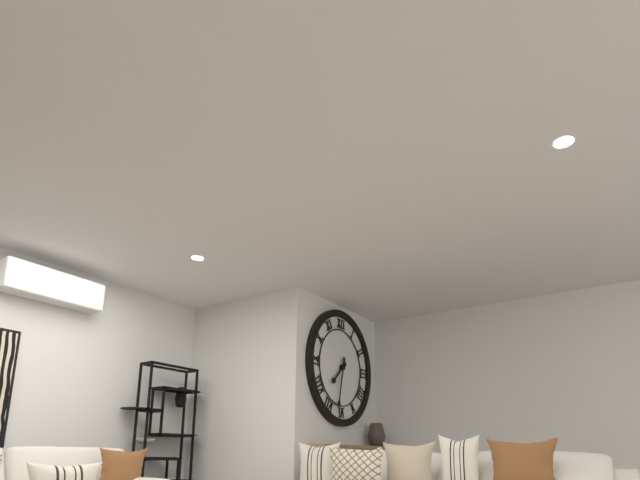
h=7 m=32
